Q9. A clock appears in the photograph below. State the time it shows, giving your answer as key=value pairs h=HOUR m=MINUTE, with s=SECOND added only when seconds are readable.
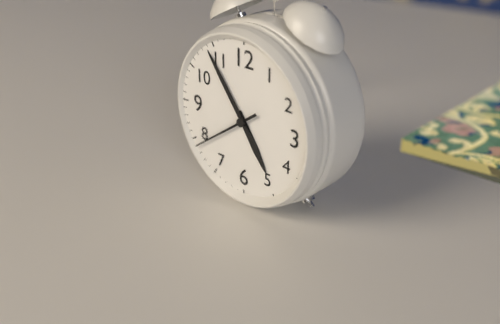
h=4 m=54 s=39
